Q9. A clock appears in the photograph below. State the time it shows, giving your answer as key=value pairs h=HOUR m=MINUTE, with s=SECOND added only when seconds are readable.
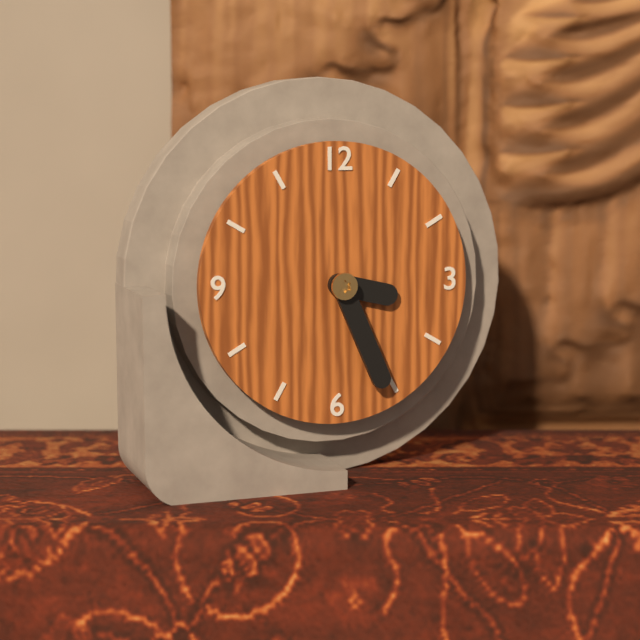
h=3 m=26
